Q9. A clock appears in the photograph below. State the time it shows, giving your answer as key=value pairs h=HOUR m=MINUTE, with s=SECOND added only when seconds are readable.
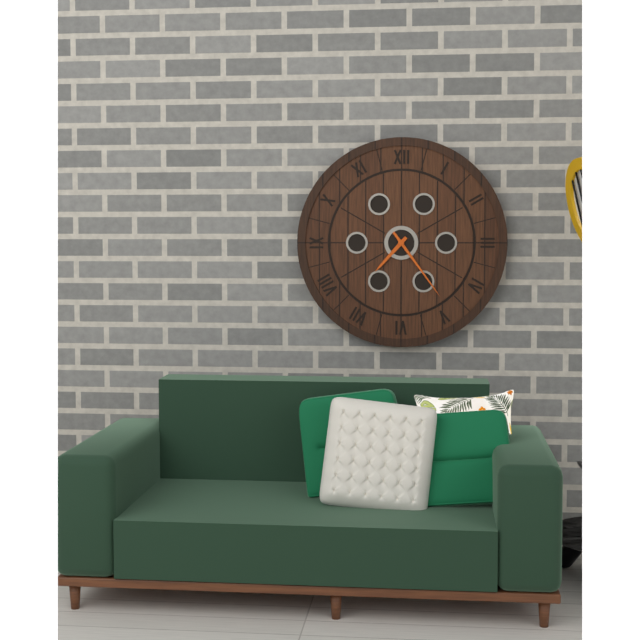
h=7 m=24
